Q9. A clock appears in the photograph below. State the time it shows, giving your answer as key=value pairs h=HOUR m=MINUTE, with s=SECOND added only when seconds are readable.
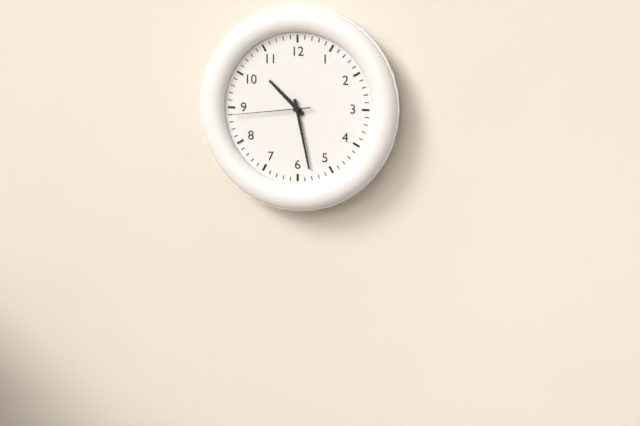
h=10 m=28 s=44
